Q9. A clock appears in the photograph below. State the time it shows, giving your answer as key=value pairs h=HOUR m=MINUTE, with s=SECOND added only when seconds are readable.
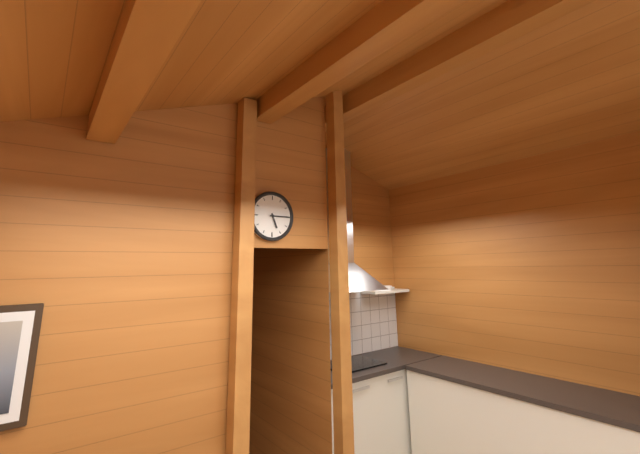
h=5 m=15
